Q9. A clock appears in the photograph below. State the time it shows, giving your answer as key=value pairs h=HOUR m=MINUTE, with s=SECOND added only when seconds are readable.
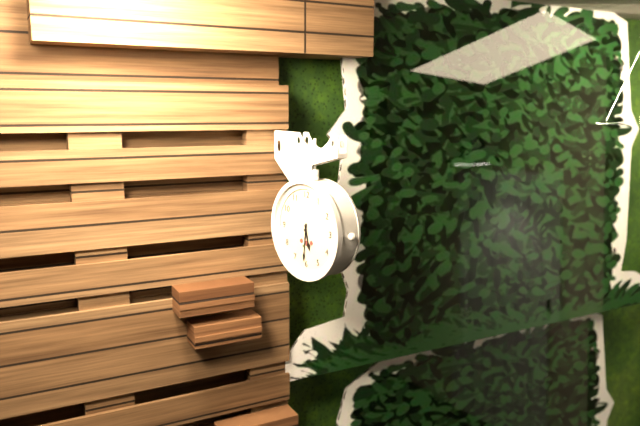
h=5 m=31
